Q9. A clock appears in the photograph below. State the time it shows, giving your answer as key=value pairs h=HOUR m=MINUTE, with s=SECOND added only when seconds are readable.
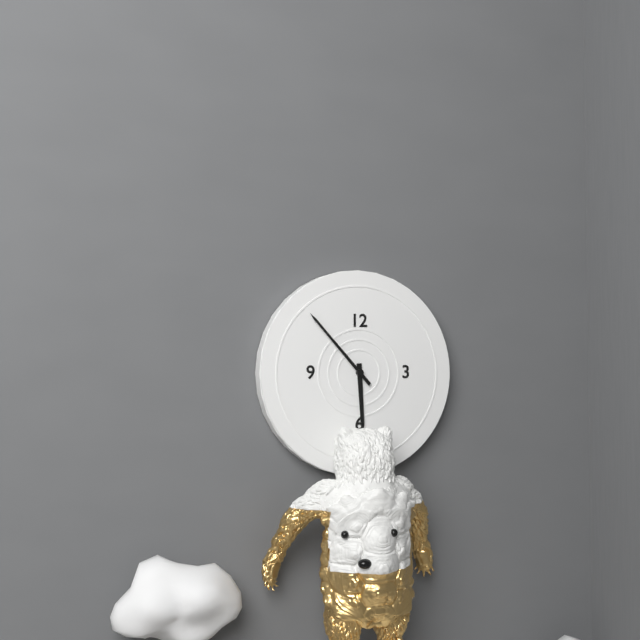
h=5 m=53
